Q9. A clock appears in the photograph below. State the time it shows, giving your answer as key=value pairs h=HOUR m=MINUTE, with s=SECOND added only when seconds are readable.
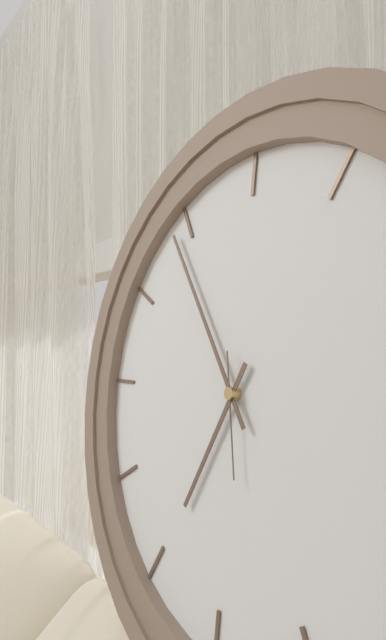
h=6 m=54 s=28
